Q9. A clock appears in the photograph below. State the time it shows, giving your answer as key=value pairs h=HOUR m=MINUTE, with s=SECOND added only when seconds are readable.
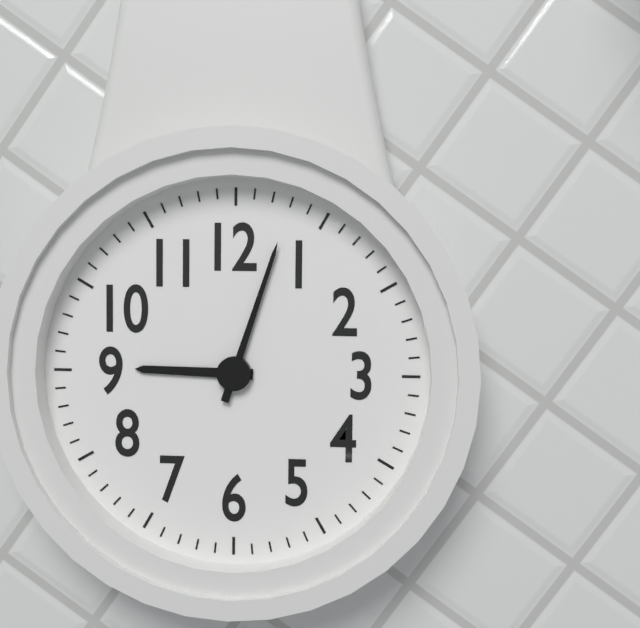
h=9 m=3
